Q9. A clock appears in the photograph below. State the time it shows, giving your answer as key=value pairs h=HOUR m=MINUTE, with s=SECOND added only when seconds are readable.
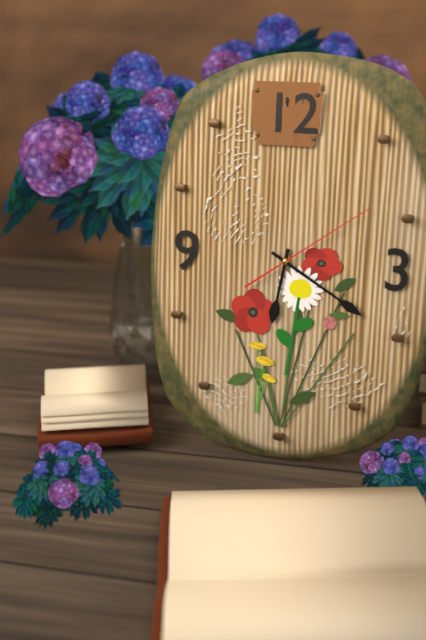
h=6 m=20 s=9
